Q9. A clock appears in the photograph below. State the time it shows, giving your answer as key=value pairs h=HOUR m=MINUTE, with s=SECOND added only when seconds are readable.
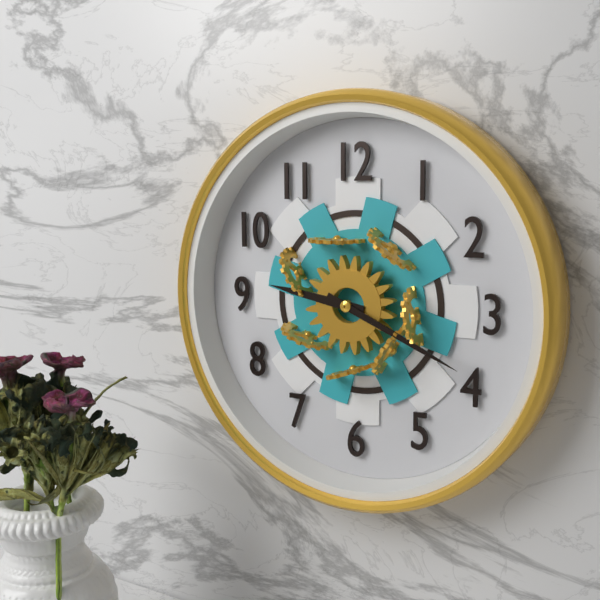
h=9 m=19
